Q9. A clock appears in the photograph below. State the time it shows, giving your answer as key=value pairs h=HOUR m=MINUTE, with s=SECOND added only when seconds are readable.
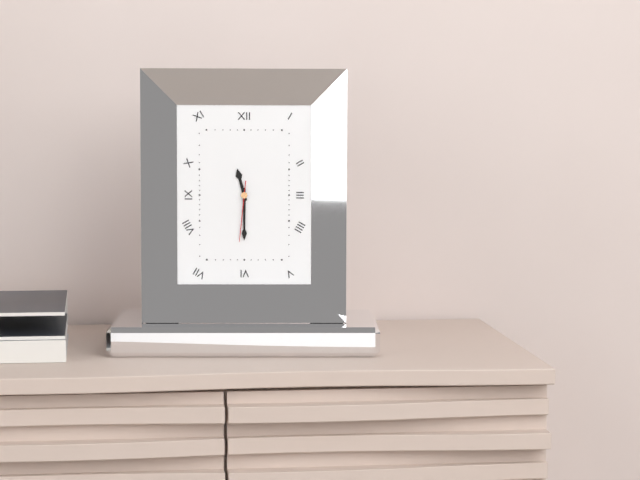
h=11 m=30 s=31
